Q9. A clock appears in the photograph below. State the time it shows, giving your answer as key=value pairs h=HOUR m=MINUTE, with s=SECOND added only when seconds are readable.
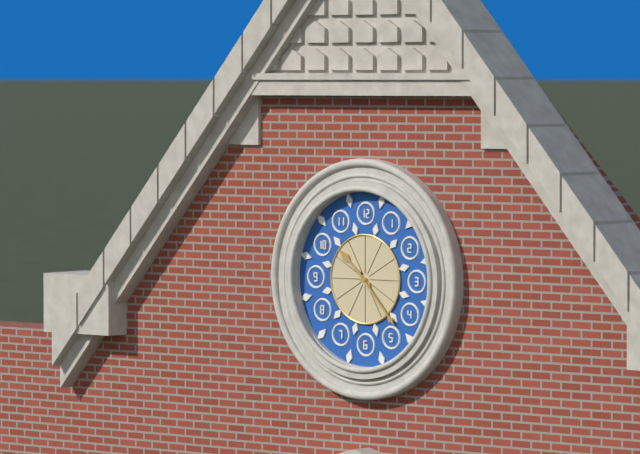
h=10 m=23
